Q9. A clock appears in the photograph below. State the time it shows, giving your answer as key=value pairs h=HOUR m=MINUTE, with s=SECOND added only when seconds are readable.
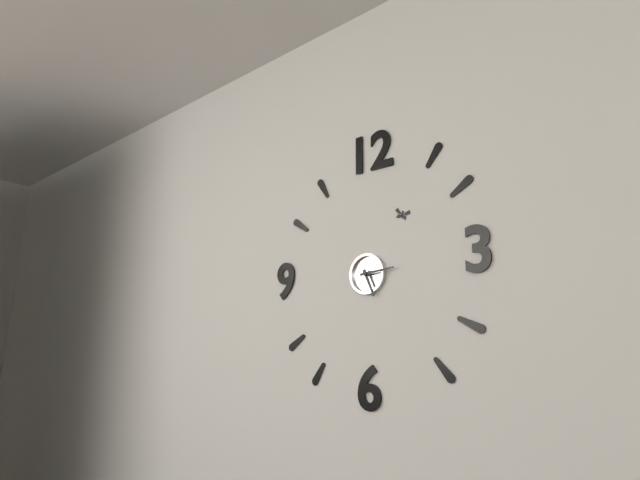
h=5 m=14
